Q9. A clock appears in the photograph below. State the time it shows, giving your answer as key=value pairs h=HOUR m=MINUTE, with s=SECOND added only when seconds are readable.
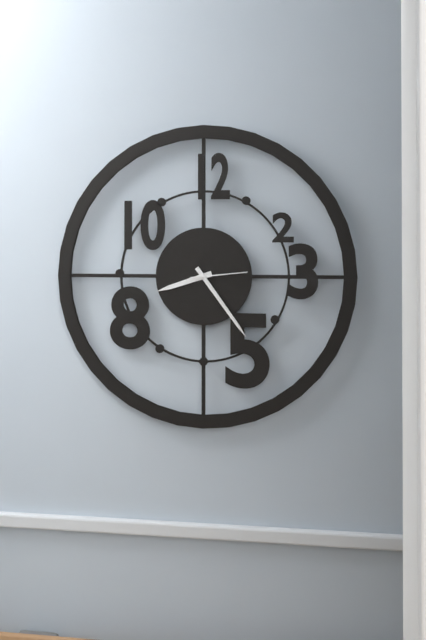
h=8 m=24 s=14
